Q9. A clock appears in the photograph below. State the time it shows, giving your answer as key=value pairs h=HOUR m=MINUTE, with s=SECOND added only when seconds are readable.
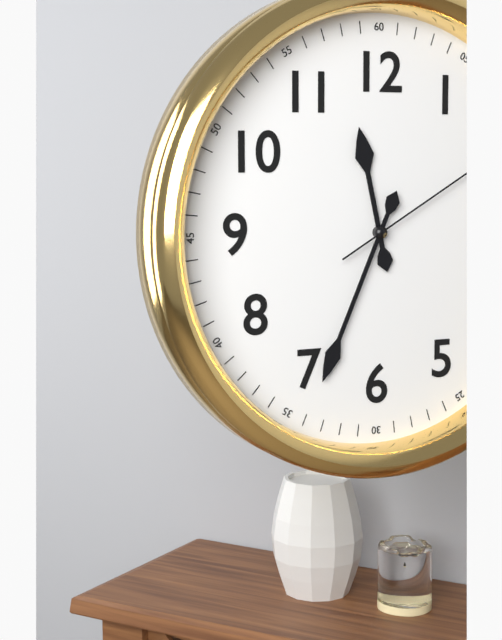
h=11 m=34
